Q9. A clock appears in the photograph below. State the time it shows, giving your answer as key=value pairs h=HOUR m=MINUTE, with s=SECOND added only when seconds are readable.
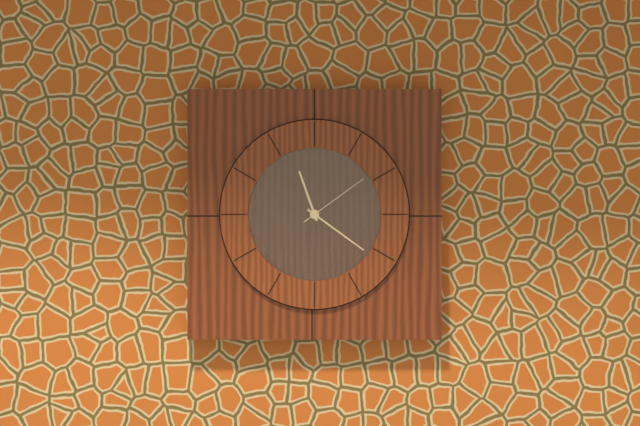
h=11 m=21 s=9
